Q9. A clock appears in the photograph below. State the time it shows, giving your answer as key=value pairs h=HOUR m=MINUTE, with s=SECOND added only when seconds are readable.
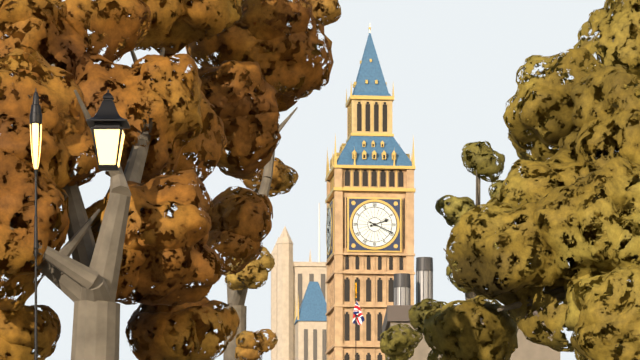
h=2 m=19
